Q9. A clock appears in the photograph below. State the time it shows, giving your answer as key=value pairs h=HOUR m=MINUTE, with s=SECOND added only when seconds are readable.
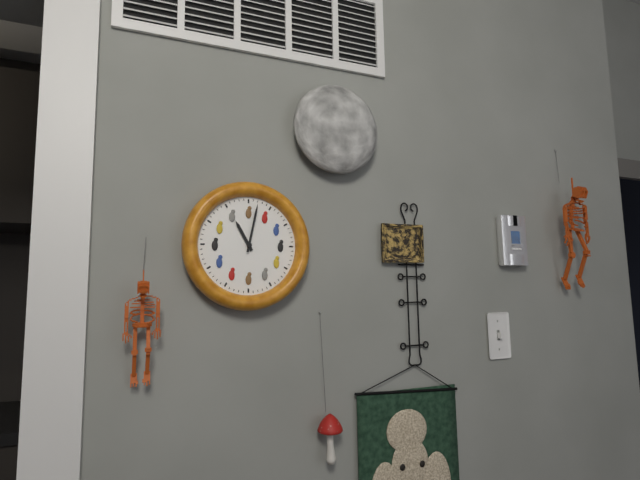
h=11 m=2
